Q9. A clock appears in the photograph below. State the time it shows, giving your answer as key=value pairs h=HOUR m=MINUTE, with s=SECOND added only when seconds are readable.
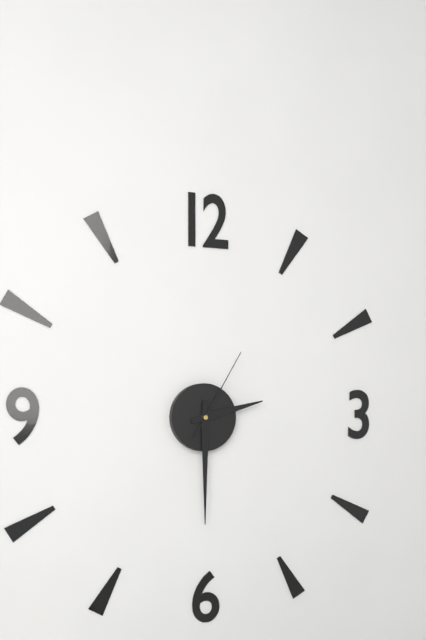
h=2 m=30 s=5
